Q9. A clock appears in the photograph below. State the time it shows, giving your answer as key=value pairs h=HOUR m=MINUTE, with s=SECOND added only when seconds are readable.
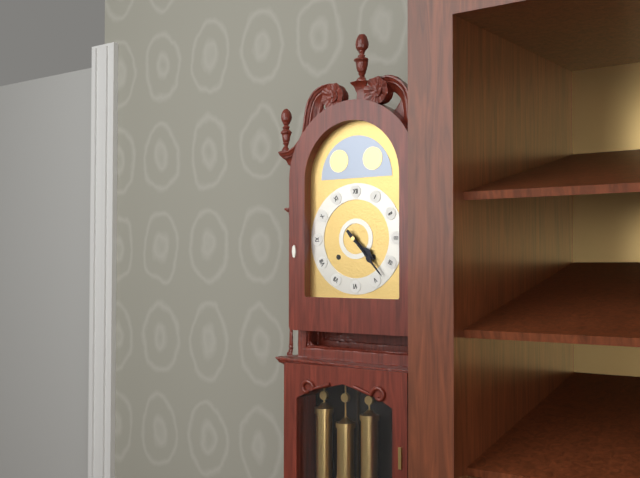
h=4 m=23
